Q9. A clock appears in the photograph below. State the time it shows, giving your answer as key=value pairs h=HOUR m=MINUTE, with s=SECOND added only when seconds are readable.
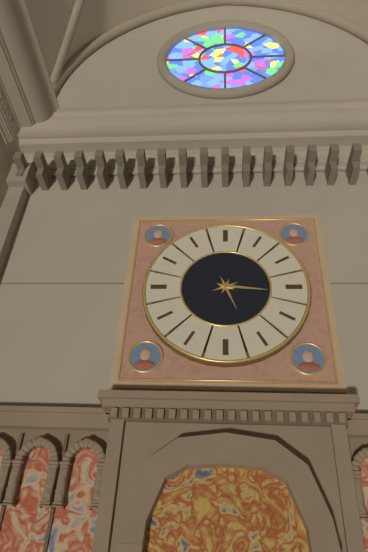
h=5 m=16
